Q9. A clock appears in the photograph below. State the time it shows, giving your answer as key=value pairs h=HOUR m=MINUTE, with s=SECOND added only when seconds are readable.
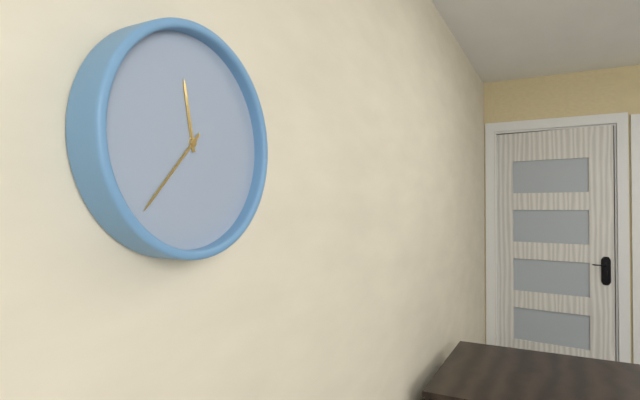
h=11 m=37
